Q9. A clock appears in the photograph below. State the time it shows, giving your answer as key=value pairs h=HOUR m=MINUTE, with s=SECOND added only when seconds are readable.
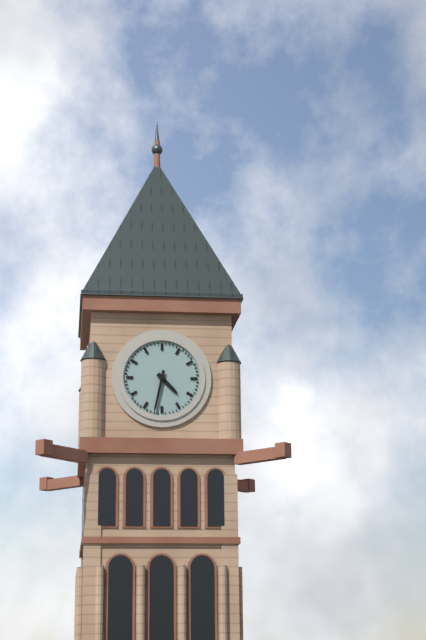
h=4 m=32
